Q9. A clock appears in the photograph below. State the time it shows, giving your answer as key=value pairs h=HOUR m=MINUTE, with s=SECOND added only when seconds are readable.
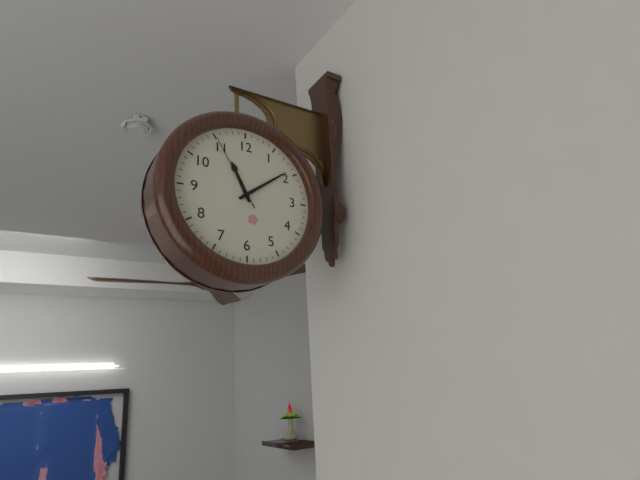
h=11 m=9 s=55
